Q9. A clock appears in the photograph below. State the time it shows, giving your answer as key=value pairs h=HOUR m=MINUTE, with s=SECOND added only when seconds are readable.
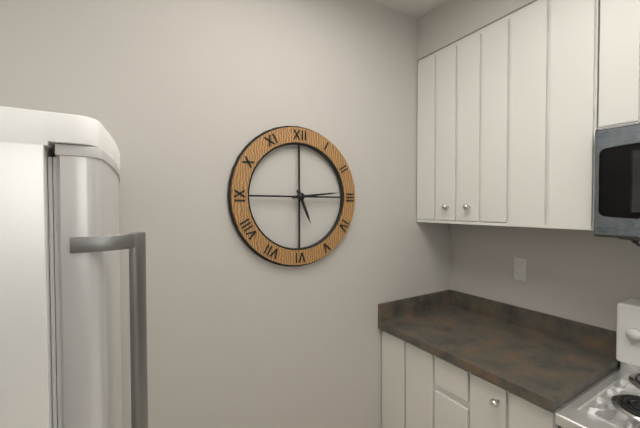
h=5 m=14
